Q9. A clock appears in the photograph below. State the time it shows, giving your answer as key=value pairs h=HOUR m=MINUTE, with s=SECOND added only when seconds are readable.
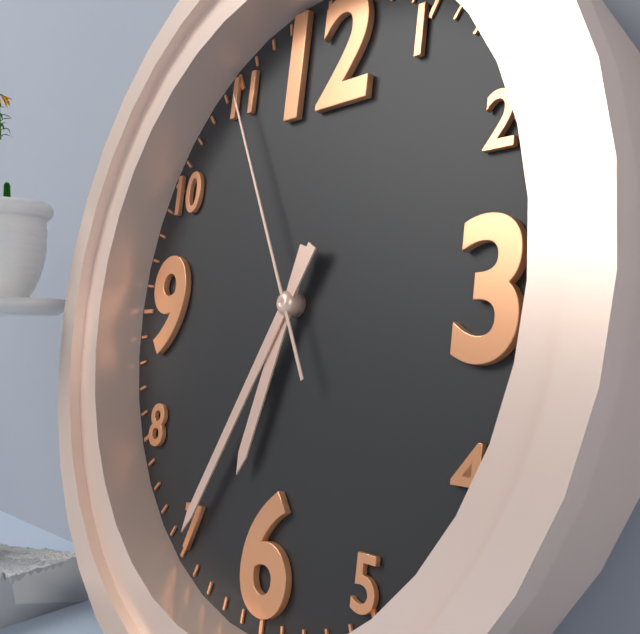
h=6 m=35 s=55
